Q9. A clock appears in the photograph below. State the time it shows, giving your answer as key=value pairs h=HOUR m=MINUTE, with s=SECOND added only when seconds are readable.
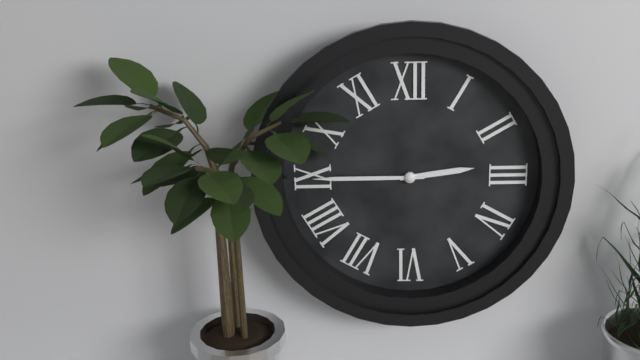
h=2 m=45
